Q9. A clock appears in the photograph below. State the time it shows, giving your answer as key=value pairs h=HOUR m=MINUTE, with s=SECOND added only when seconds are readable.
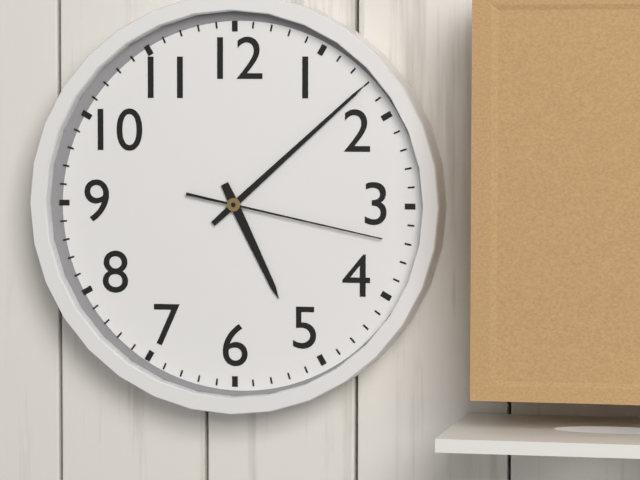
h=5 m=8 s=17
